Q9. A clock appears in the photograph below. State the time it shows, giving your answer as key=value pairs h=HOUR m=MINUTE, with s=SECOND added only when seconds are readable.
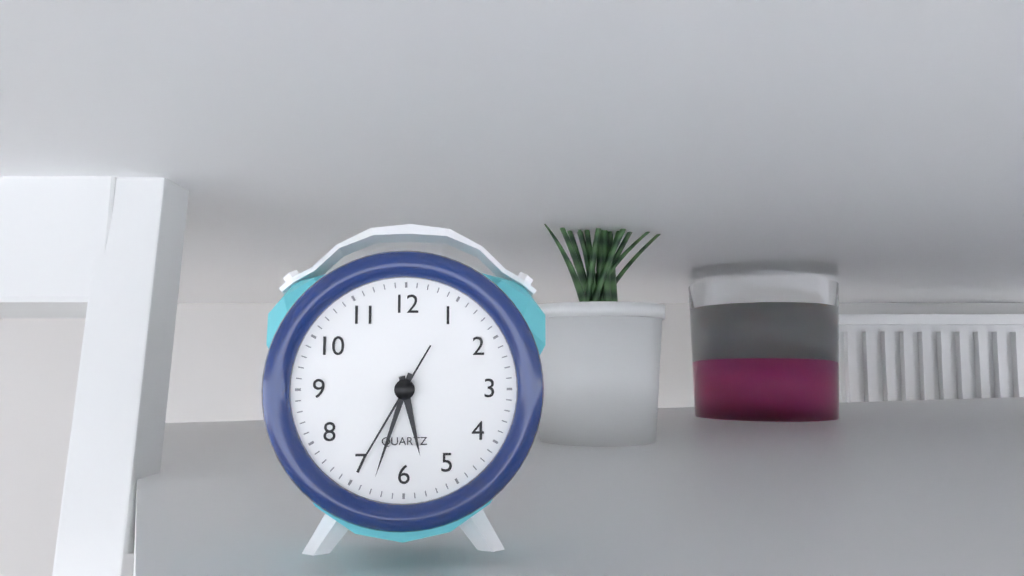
h=5 m=33 s=35
